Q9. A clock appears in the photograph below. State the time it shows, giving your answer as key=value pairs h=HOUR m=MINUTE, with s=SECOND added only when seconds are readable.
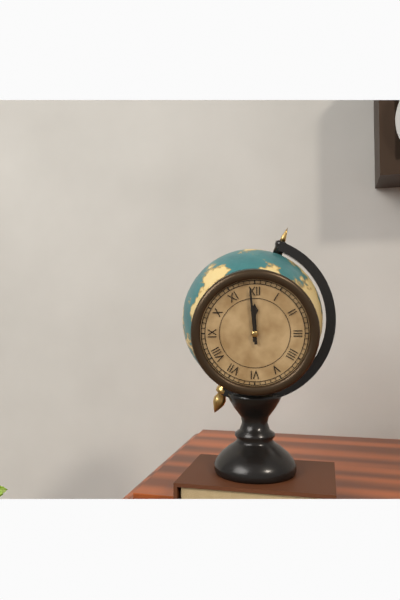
h=11 m=59
